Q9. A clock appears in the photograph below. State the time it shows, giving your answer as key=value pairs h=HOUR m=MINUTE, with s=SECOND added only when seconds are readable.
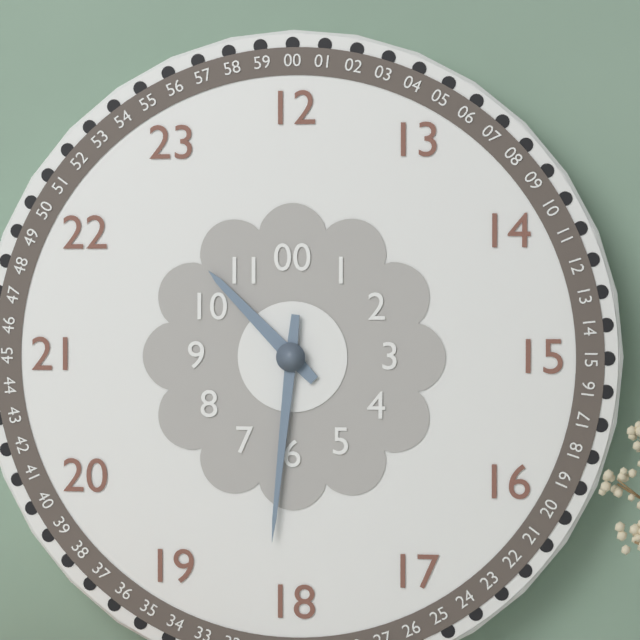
h=10 m=31
